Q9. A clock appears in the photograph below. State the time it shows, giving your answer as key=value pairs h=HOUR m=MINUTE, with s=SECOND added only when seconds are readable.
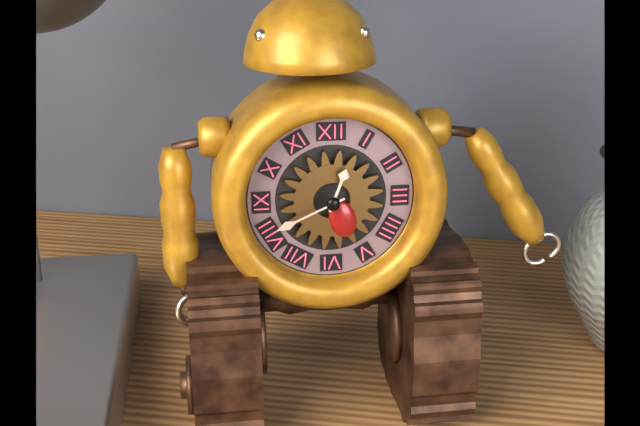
h=12 m=41
